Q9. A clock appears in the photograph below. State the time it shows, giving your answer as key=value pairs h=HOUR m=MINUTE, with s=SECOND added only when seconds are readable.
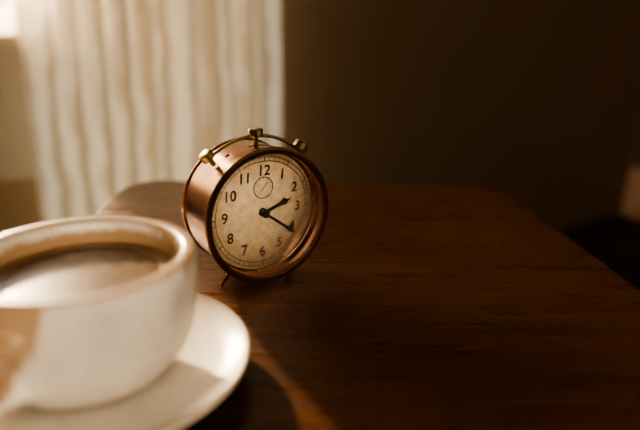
h=2 m=21 s=12
